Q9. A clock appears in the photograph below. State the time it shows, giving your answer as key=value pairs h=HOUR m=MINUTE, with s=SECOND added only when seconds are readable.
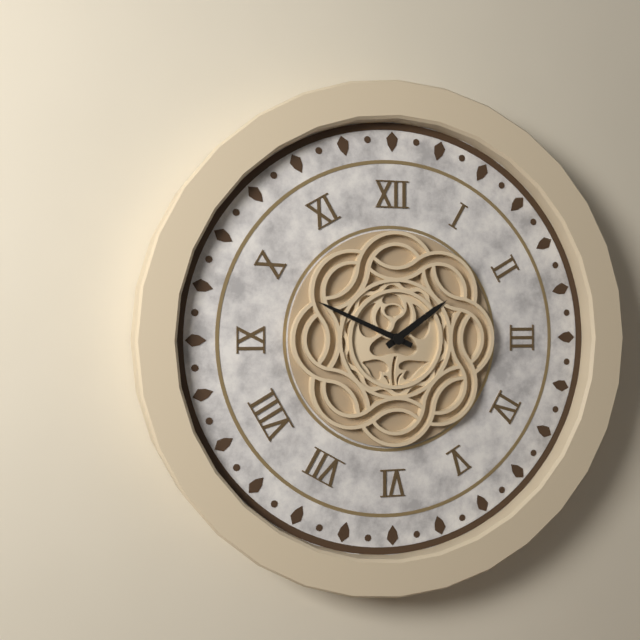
h=1 m=49
